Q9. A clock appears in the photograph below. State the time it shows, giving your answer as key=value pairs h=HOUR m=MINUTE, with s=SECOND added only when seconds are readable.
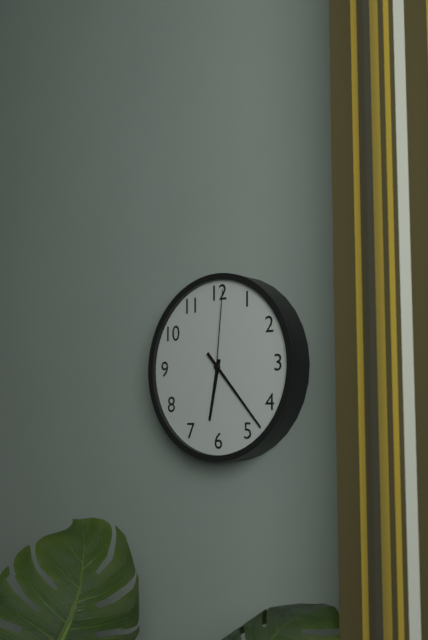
h=6 m=23 s=1
